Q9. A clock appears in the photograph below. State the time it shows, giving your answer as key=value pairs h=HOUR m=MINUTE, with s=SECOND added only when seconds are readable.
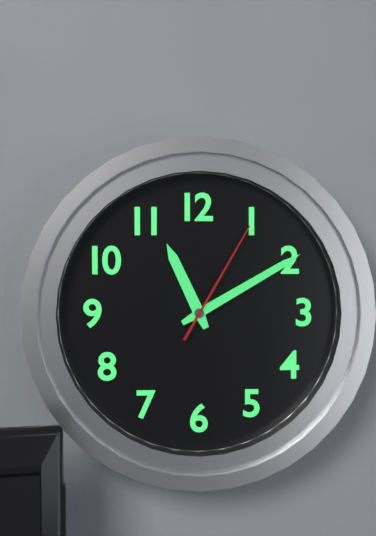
h=11 m=10 s=5
